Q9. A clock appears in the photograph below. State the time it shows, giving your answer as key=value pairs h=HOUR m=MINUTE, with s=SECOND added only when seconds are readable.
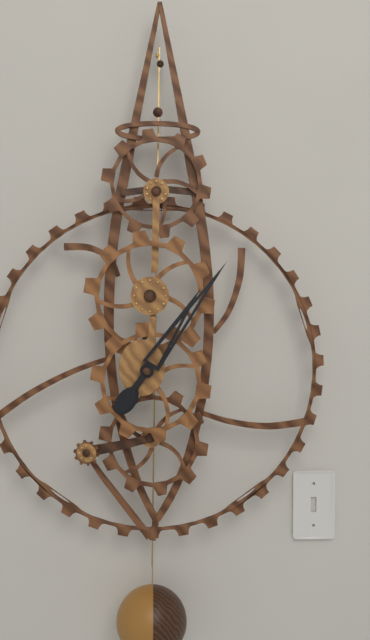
h=1 m=6
